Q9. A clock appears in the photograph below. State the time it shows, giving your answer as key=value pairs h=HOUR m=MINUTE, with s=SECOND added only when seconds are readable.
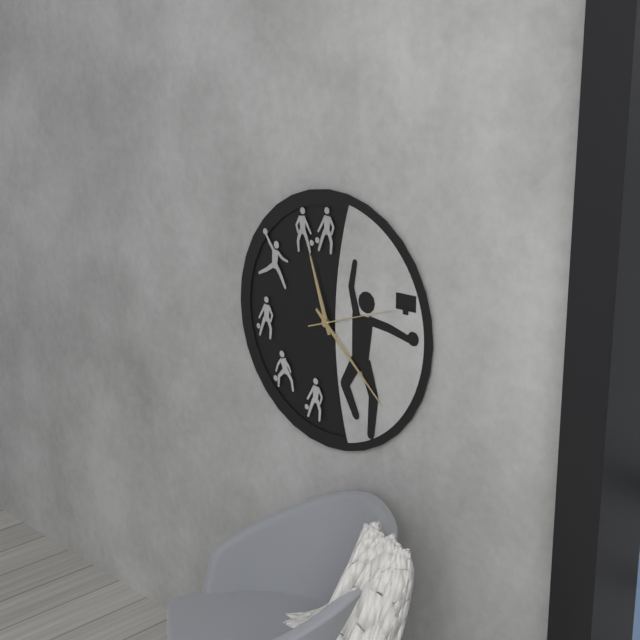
h=11 m=22 s=12
